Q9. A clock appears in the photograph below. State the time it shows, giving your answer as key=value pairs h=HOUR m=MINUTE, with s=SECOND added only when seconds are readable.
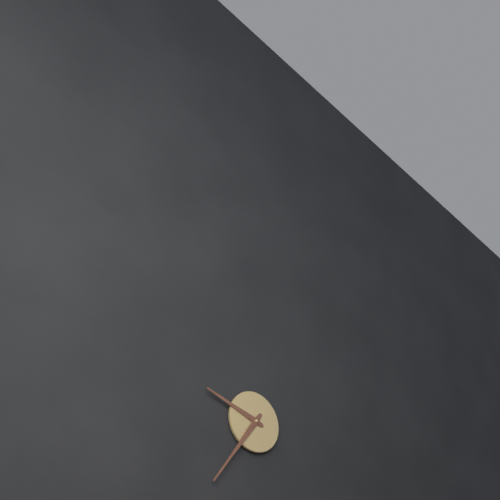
h=9 m=36
